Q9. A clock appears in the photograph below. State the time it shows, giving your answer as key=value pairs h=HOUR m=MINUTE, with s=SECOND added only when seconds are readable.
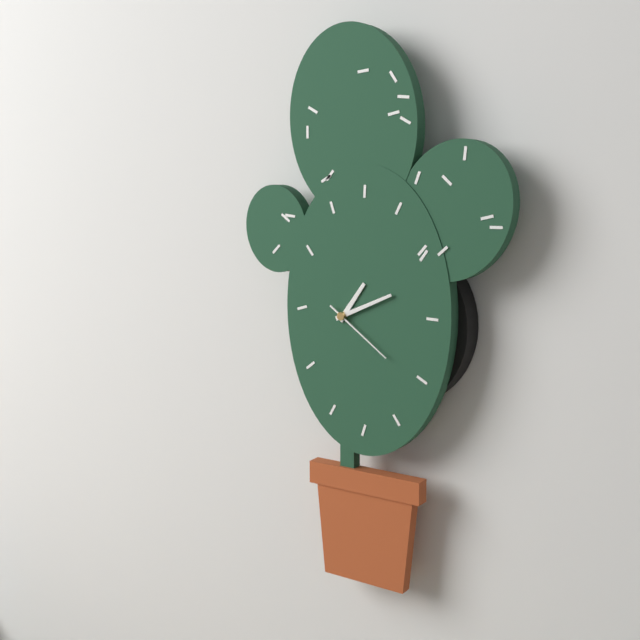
h=1 m=11 s=21
